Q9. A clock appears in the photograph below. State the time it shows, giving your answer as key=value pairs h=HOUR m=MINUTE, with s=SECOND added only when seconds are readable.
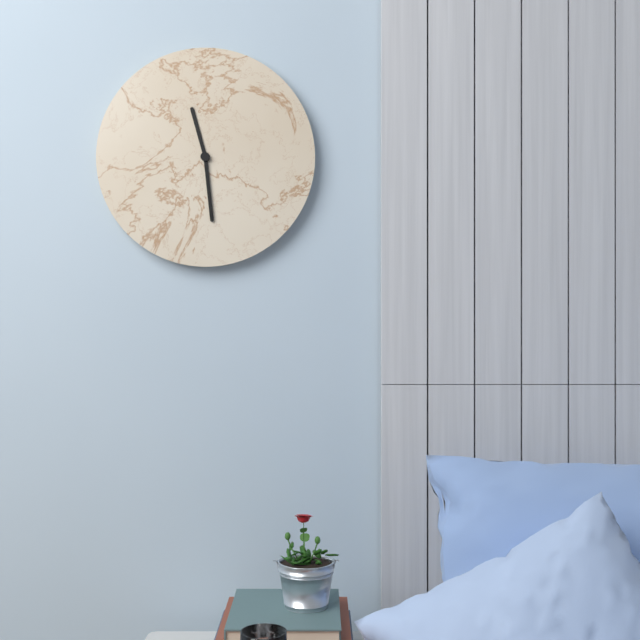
h=11 m=29
